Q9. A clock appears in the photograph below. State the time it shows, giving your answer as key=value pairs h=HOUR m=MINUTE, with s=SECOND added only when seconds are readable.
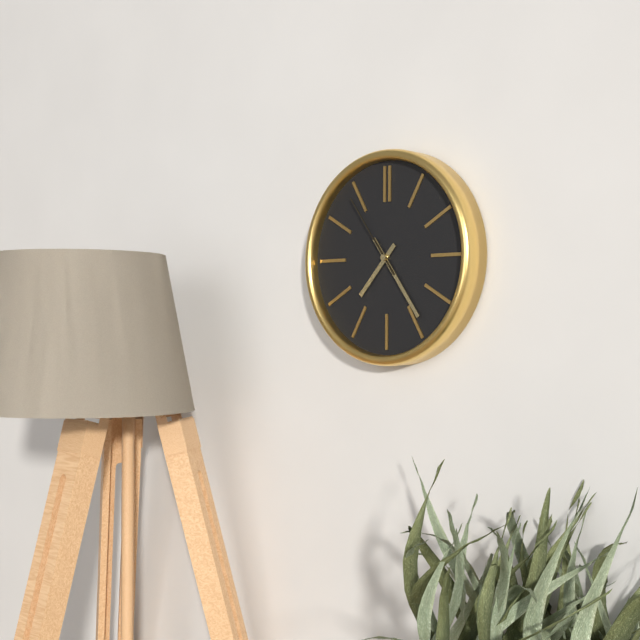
h=7 m=24 s=54
